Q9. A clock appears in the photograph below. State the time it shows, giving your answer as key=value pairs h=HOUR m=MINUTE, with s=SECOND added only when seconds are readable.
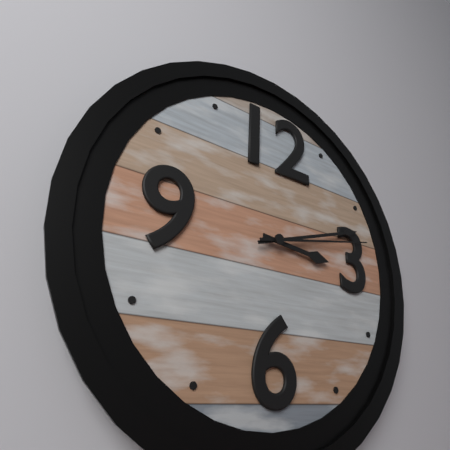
h=3 m=12 s=13
